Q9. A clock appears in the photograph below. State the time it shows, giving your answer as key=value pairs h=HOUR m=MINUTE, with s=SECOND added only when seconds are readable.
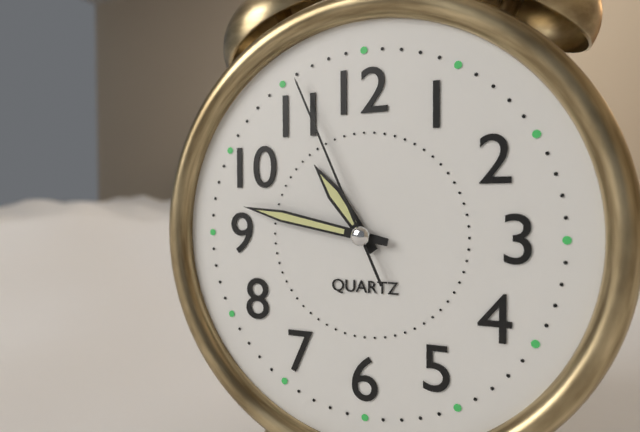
h=10 m=47 s=56
